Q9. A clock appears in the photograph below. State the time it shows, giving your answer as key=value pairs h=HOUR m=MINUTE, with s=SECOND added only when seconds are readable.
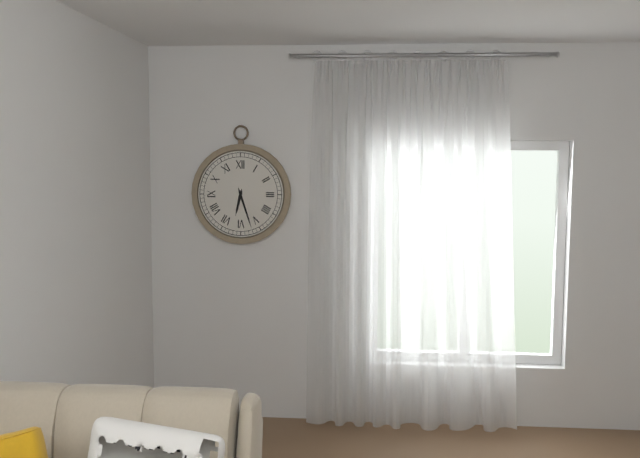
h=6 m=27
